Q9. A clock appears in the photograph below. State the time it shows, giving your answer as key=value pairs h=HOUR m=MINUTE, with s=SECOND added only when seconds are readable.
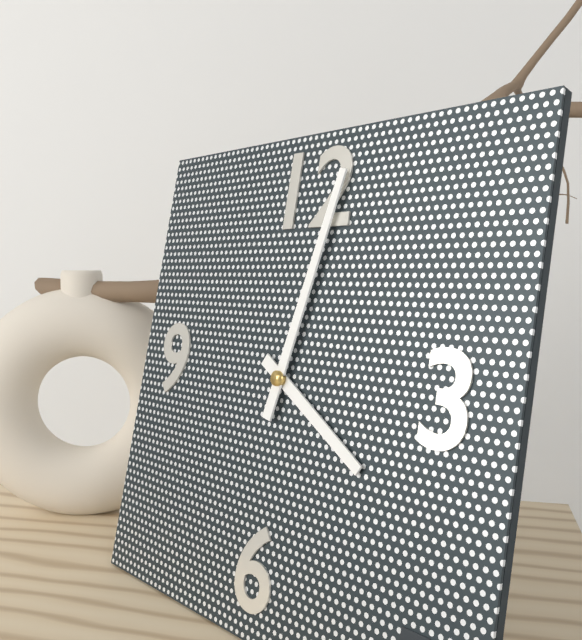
h=4 m=2
